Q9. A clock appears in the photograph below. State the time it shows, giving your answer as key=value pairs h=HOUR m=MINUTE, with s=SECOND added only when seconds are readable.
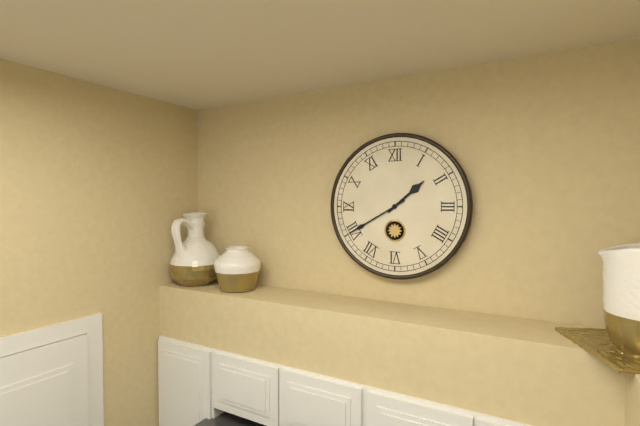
h=1 m=40
